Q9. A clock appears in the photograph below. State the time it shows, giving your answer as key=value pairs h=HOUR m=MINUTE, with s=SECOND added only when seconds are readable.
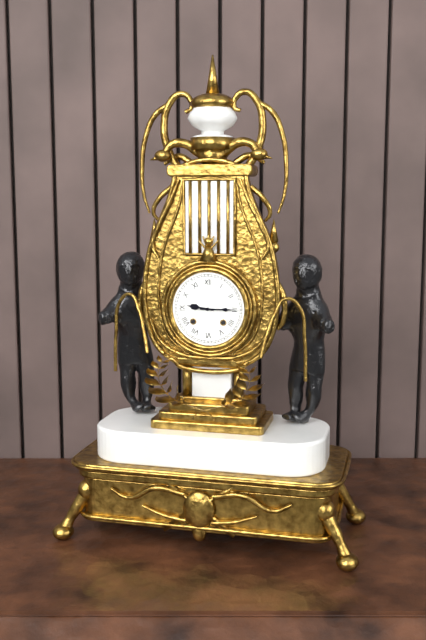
h=9 m=15
